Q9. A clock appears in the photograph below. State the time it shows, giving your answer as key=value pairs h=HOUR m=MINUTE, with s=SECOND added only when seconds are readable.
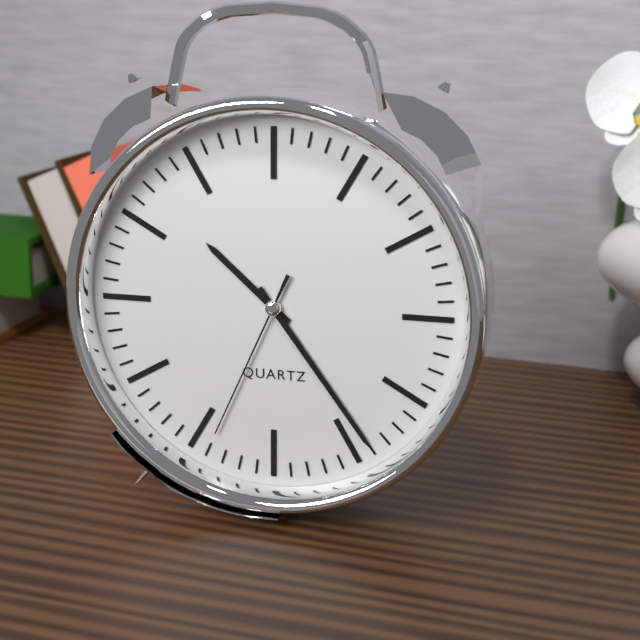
h=10 m=24 s=34
